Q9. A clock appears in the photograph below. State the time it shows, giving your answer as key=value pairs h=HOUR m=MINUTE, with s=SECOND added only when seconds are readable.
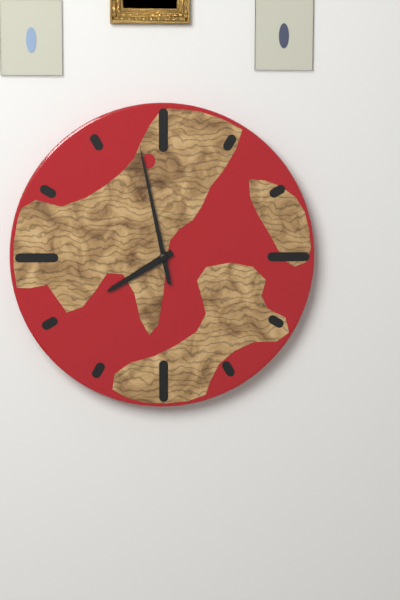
h=7 m=58
